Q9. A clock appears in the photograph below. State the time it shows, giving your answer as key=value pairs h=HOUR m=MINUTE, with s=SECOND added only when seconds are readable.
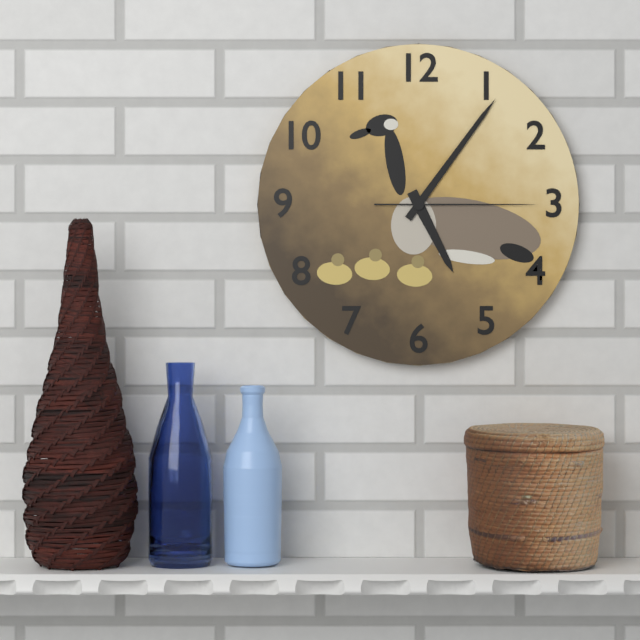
h=5 m=6 s=15
